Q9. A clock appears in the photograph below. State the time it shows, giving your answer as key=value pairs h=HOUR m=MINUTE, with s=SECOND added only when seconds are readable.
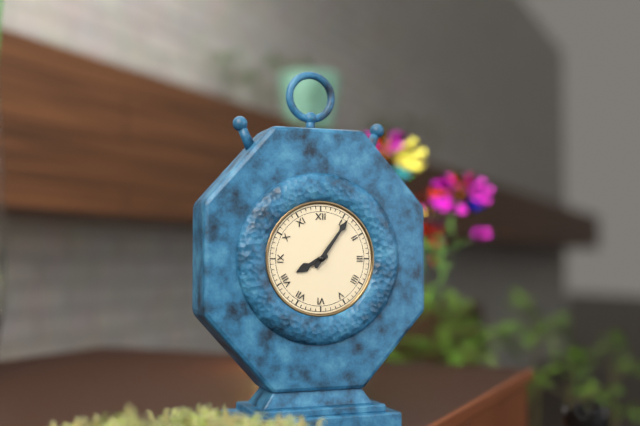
h=8 m=6
